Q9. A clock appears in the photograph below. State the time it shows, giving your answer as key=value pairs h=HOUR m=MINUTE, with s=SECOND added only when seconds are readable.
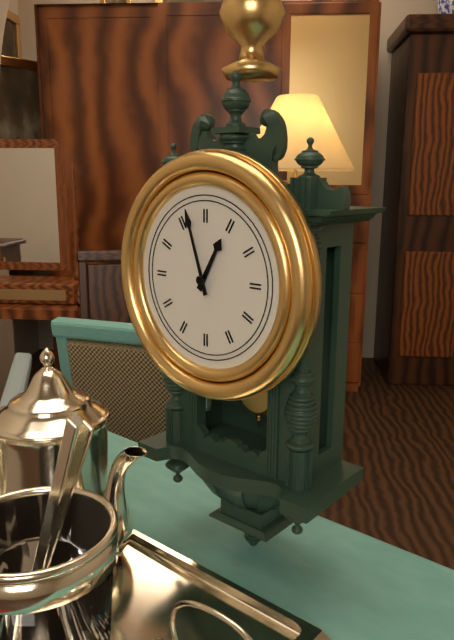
h=12 m=57
